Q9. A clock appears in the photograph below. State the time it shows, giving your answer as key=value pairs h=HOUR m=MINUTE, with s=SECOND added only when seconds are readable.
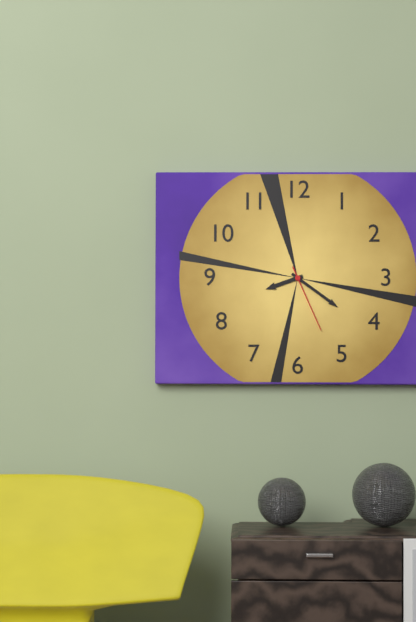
h=8 m=21 s=26
